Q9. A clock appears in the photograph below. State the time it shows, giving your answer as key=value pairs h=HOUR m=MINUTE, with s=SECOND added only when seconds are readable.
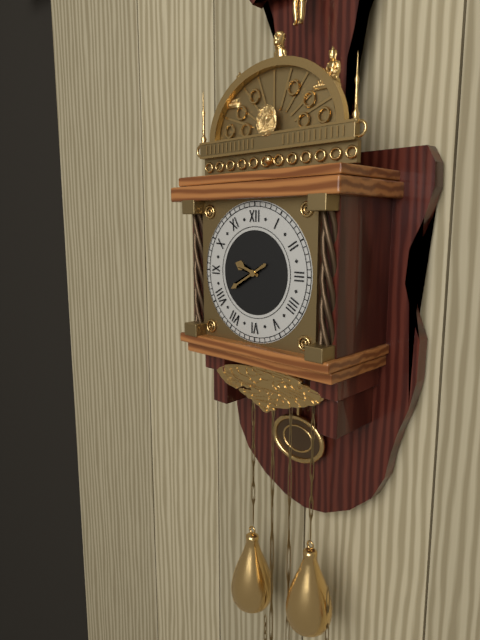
h=9 m=40
